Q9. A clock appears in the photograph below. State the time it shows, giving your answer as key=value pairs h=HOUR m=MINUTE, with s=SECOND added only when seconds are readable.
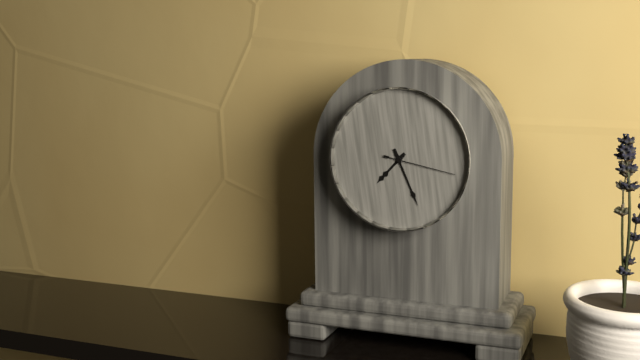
h=7 m=26 s=17
